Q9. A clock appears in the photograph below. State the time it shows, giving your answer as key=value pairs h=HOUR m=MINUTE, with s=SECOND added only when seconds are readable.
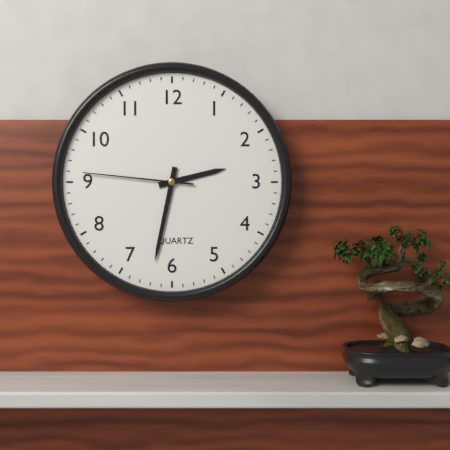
h=2 m=32 s=46
